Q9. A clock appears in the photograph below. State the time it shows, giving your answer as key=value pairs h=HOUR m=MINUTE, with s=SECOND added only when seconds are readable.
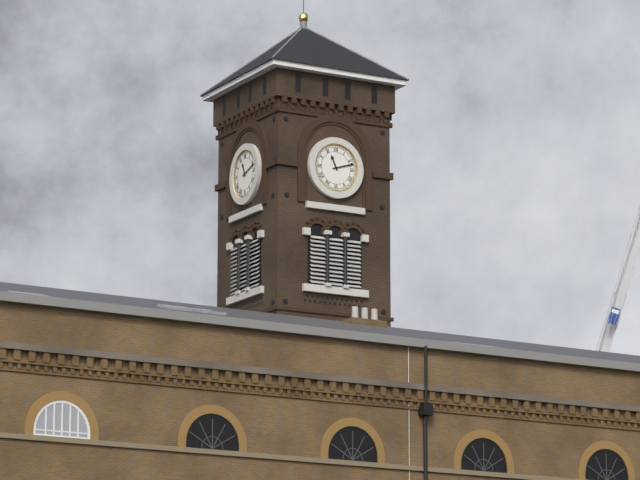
h=11 m=12
